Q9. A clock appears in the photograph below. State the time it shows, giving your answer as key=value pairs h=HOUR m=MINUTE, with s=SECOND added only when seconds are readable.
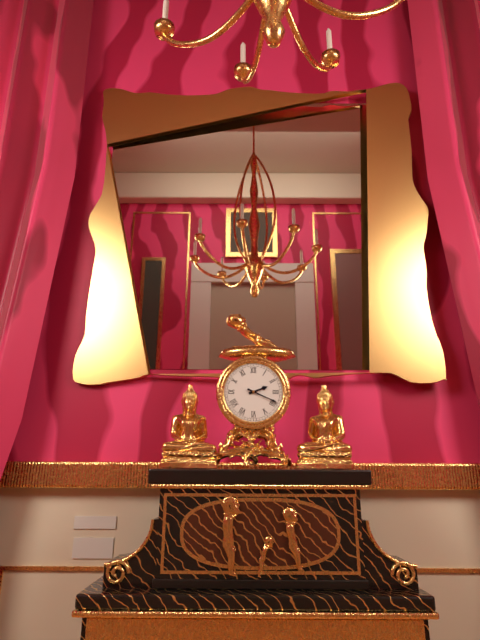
h=2 m=19
